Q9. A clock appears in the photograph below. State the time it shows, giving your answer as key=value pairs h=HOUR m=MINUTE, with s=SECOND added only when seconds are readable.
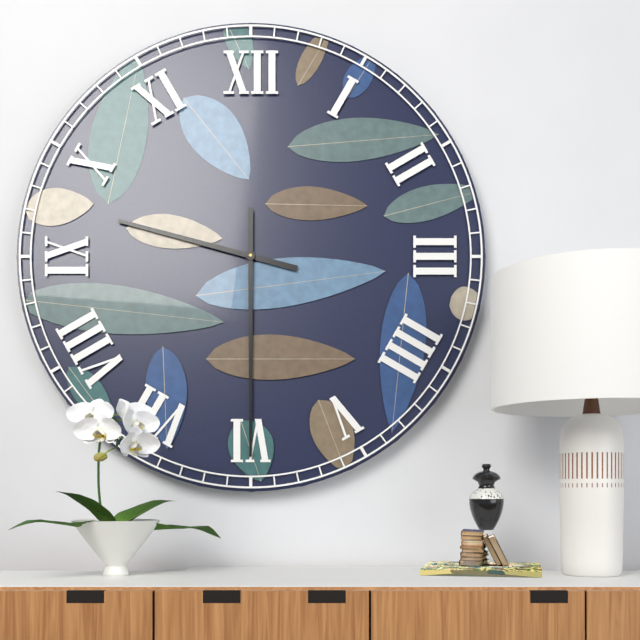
h=9 m=30
